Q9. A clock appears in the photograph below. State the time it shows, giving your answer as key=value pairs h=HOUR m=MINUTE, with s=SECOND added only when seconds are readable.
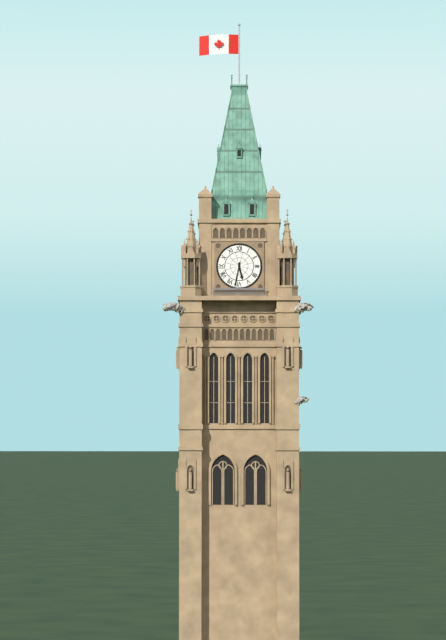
h=5 m=32
